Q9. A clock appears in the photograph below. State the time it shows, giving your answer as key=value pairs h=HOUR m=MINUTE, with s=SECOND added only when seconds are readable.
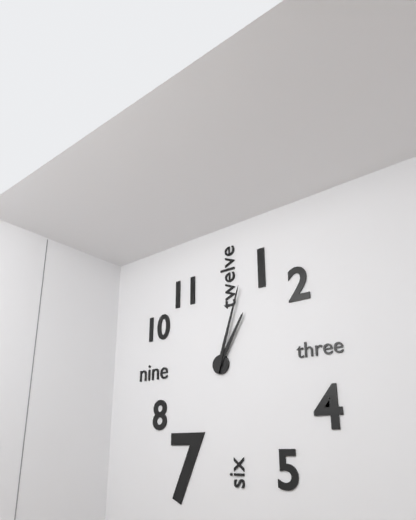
h=1 m=3
